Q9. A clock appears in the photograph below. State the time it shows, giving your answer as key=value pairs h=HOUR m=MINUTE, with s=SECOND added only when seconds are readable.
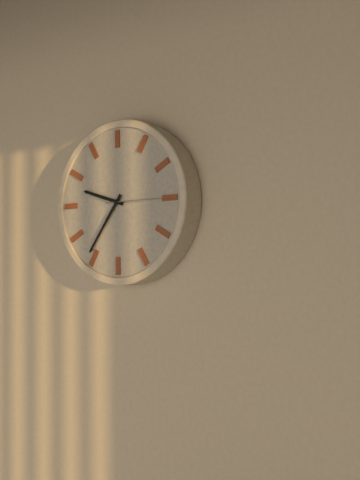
h=9 m=36 s=15
